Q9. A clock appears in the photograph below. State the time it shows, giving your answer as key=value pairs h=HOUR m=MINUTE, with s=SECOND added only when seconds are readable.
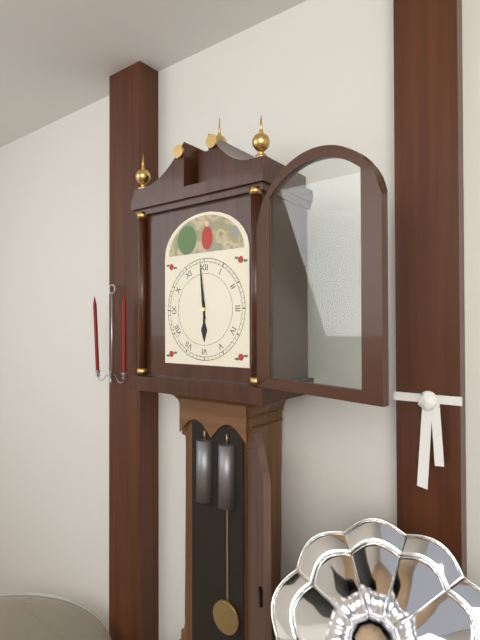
h=5 m=59
